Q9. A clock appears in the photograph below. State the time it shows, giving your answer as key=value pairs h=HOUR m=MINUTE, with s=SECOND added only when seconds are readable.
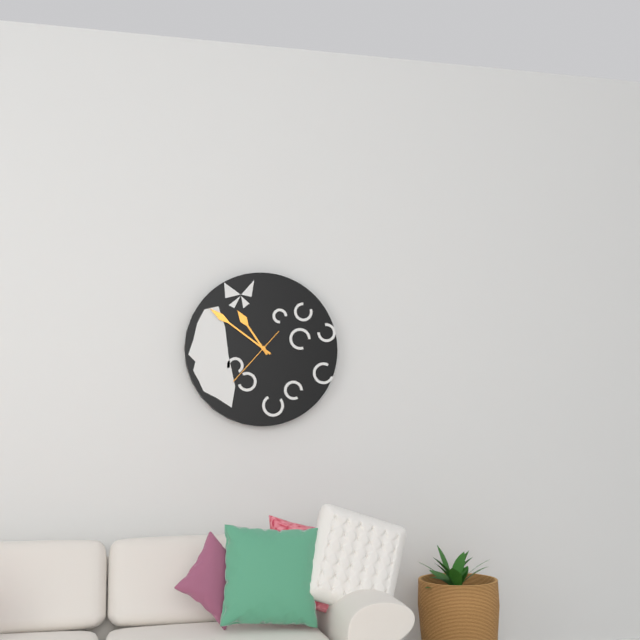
h=10 m=51 s=37
